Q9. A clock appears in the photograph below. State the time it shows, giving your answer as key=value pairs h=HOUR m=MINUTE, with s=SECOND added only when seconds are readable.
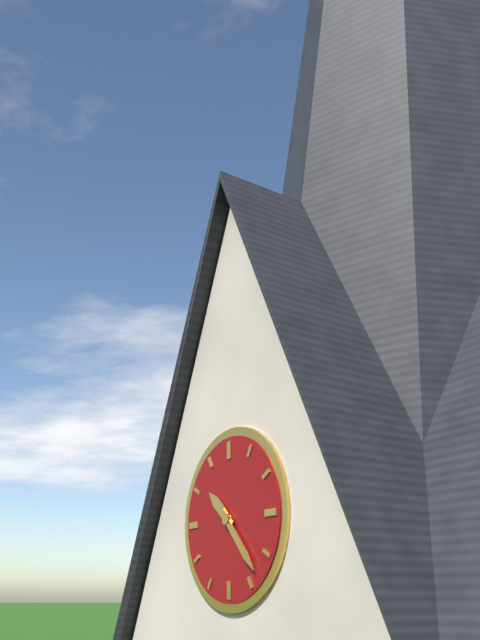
h=10 m=23
